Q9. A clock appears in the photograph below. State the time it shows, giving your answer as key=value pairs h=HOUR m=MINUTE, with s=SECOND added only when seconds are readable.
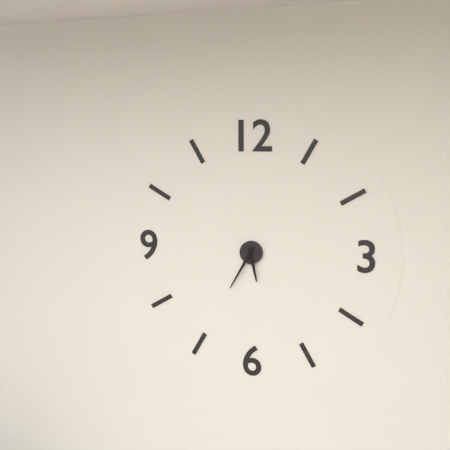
h=5 m=35
